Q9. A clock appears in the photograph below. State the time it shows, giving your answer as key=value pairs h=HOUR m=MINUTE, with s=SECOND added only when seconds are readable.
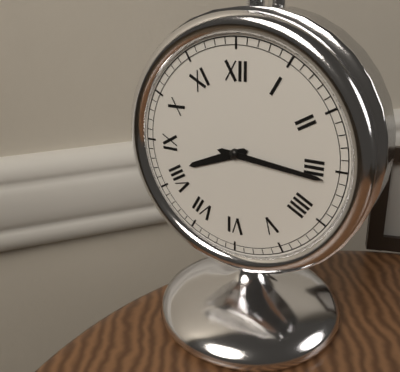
h=8 m=16
